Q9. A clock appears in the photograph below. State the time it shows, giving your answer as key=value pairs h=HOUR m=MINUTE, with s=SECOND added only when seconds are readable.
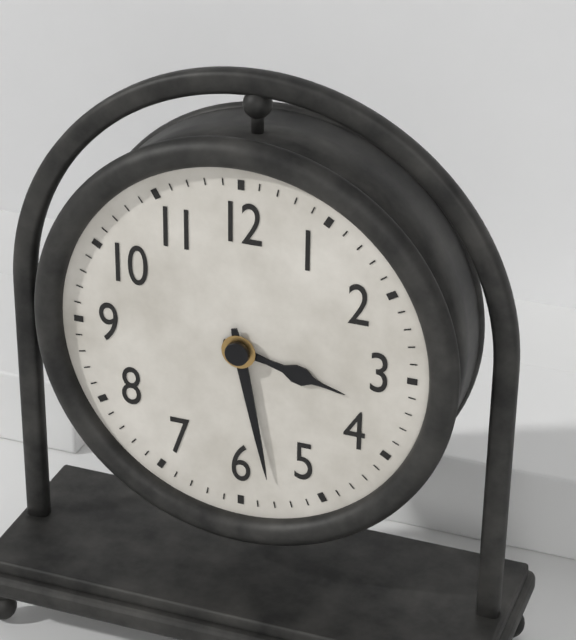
h=3 m=28
